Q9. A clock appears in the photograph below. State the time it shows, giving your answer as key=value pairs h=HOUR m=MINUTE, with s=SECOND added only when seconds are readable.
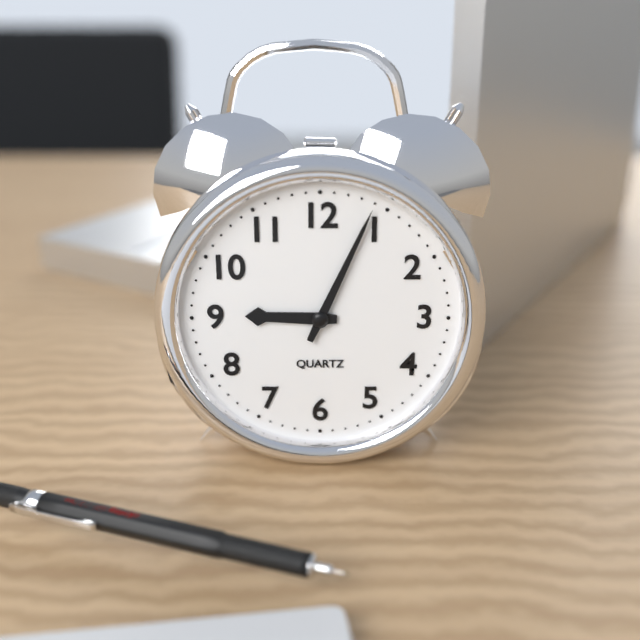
h=9 m=4
